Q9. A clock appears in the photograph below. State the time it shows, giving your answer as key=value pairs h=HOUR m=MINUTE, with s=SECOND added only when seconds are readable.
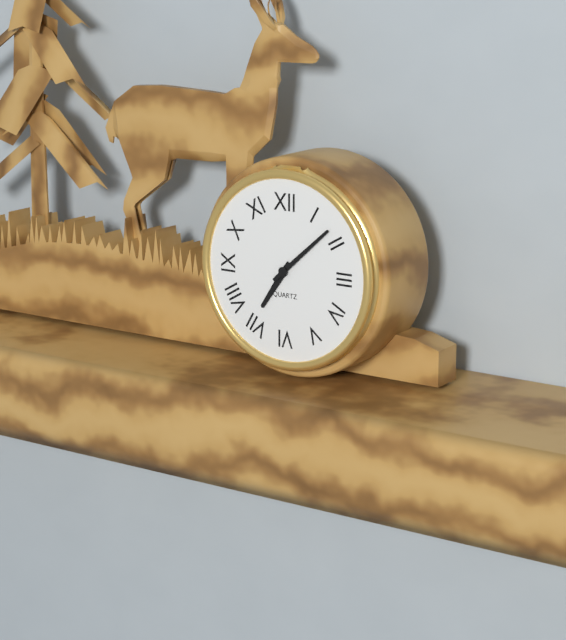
h=7 m=8
